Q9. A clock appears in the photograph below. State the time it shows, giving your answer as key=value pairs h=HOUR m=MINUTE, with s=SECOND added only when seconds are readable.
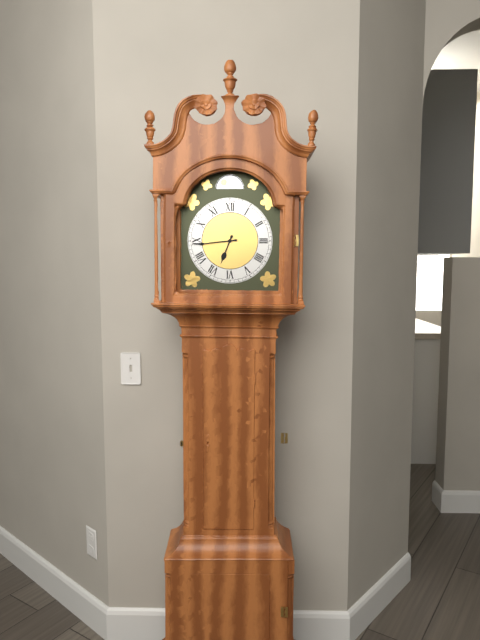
h=6 m=44
